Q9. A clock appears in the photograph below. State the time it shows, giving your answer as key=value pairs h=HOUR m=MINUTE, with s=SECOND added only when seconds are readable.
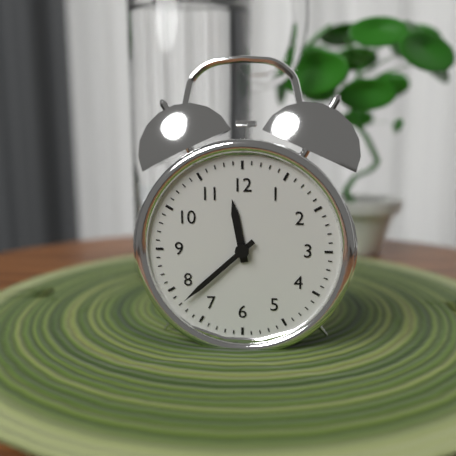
h=11 m=38
